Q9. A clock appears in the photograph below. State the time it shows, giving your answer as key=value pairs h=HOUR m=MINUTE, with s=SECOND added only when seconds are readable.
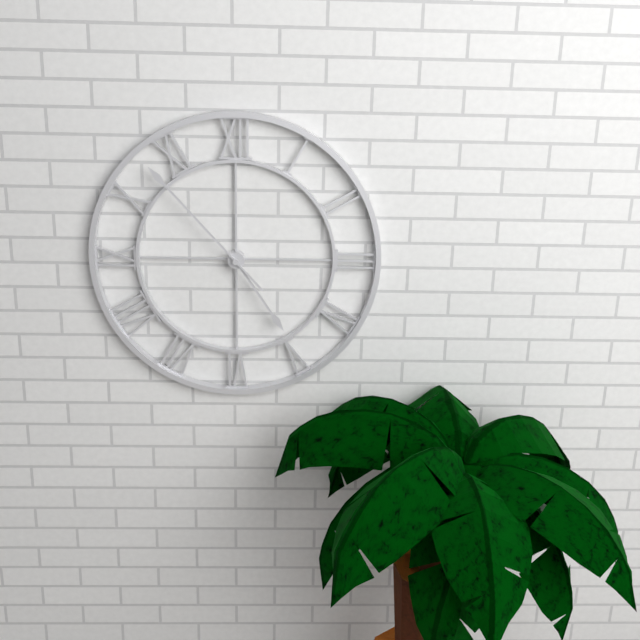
h=4 m=53
